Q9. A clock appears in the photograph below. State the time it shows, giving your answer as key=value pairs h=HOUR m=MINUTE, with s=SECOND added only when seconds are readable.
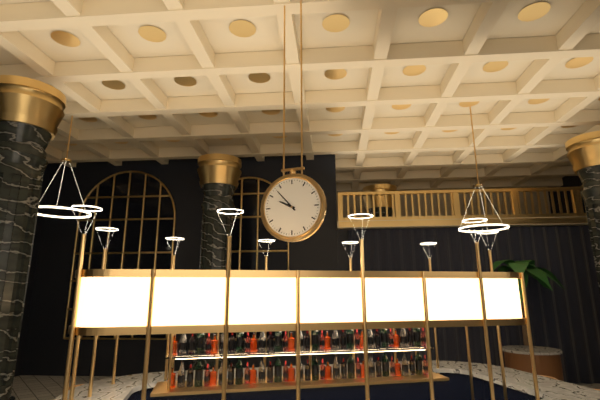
h=9 m=53
